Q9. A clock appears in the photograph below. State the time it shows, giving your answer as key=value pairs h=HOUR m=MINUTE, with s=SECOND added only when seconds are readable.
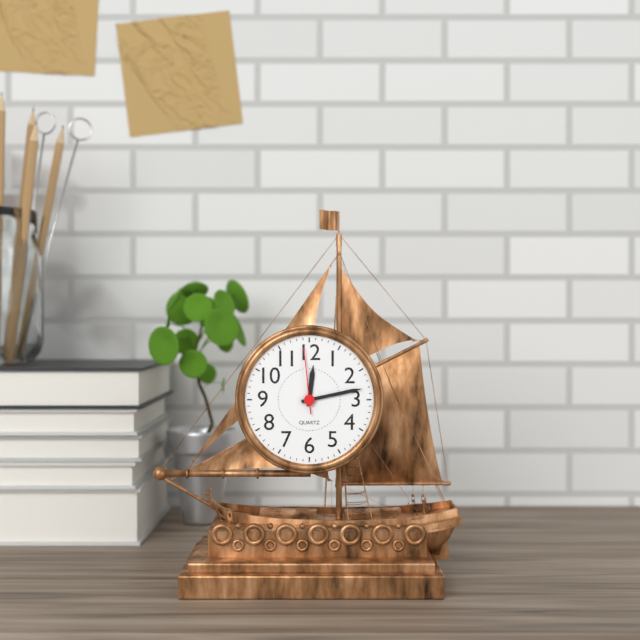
h=12 m=13 s=59
